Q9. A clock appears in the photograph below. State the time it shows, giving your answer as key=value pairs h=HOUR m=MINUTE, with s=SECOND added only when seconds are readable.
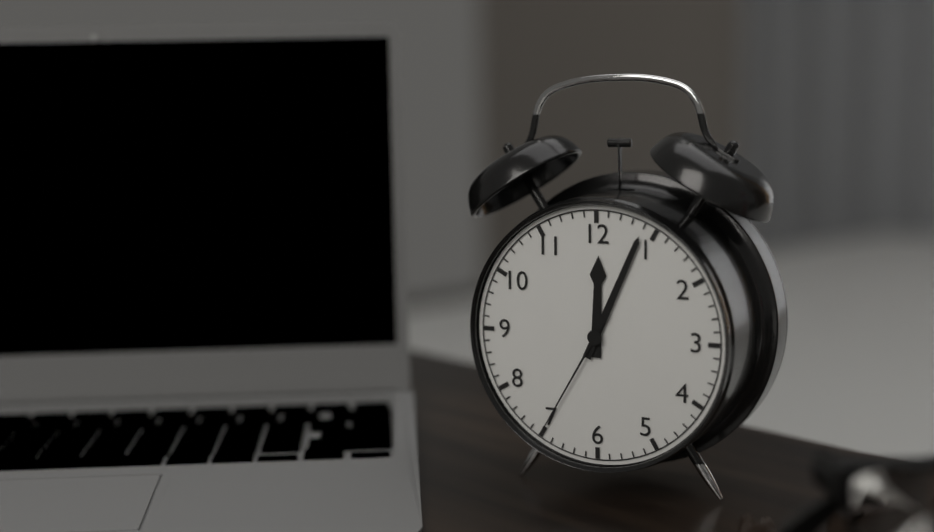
h=12 m=4 s=35
